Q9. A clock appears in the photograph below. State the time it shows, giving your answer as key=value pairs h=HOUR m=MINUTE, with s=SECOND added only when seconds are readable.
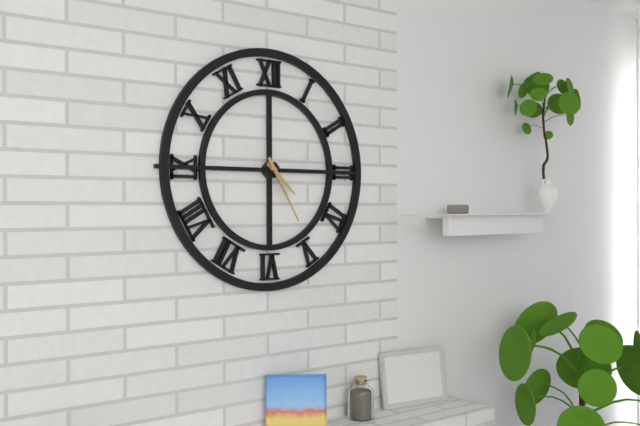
h=4 m=25
